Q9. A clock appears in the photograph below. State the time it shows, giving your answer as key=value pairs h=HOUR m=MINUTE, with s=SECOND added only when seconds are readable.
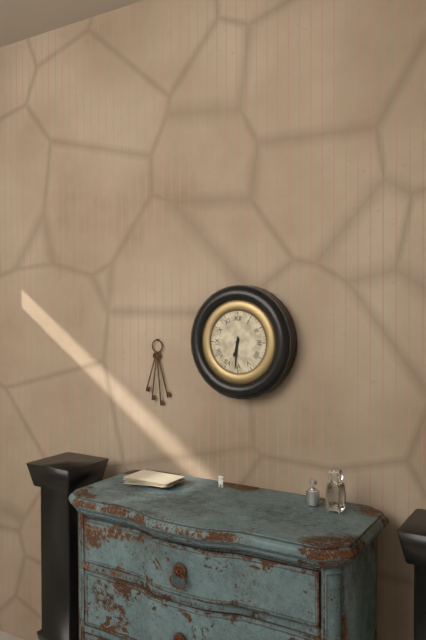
h=6 m=31
